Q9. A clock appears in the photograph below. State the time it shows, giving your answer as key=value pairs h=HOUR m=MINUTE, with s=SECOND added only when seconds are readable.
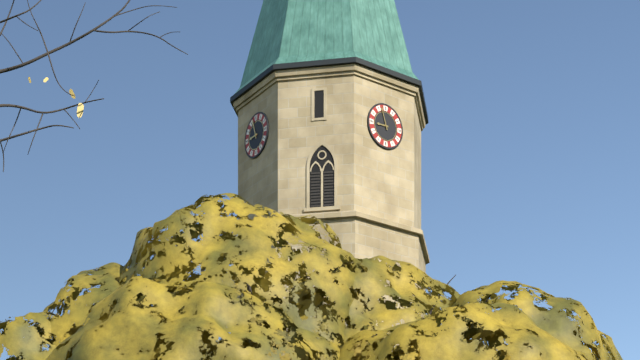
h=8 m=57
